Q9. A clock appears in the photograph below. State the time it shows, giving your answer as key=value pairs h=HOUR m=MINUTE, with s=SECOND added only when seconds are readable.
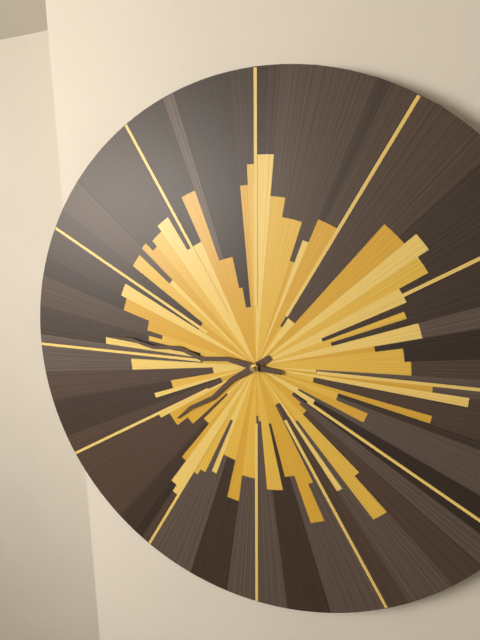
h=7 m=46
